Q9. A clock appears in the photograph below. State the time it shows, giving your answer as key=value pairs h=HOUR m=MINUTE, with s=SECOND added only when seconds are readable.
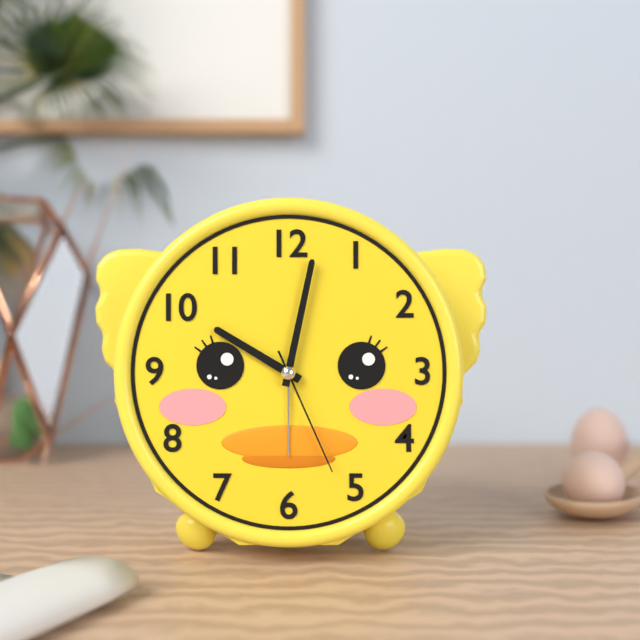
h=10 m=2 s=26
